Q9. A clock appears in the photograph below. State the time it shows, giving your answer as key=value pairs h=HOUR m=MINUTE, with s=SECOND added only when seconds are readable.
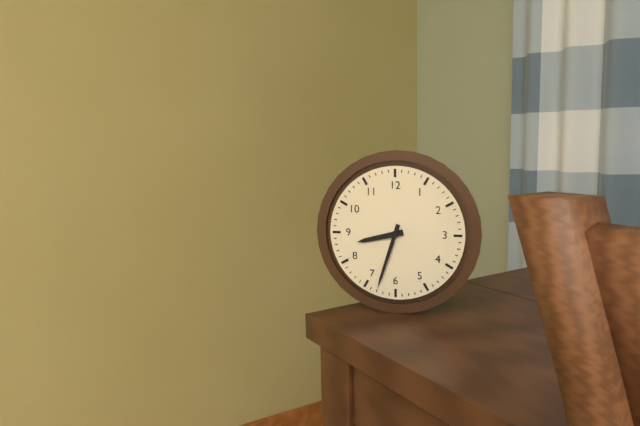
h=8 m=33
